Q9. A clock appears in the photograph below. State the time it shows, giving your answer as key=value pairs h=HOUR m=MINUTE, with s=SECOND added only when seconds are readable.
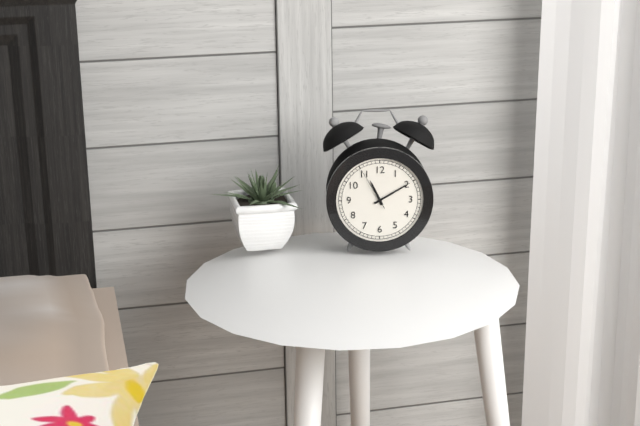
h=11 m=10
